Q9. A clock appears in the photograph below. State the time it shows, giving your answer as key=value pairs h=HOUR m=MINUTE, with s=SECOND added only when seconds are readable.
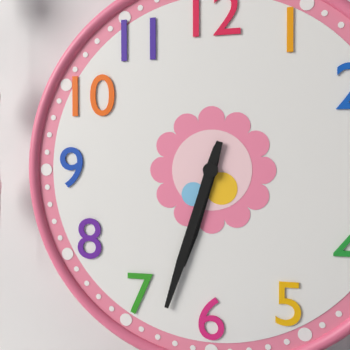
h=6 m=33
